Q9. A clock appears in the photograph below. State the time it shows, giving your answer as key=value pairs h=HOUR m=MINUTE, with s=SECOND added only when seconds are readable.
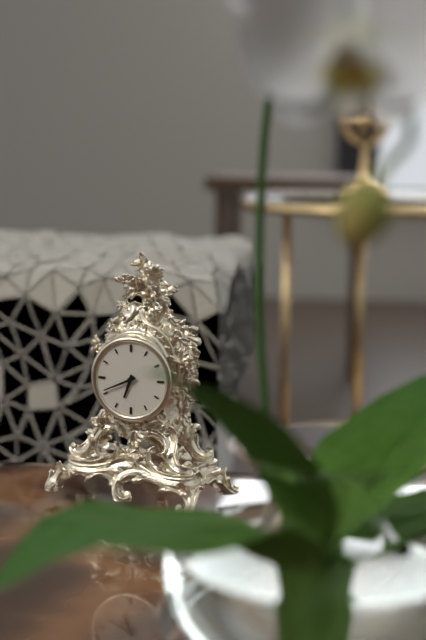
h=6 m=41
